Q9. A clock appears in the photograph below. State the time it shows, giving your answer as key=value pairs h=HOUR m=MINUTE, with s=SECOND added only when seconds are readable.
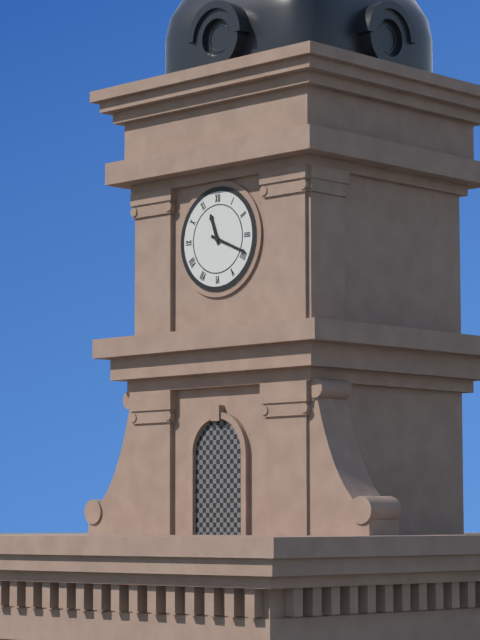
h=11 m=19
